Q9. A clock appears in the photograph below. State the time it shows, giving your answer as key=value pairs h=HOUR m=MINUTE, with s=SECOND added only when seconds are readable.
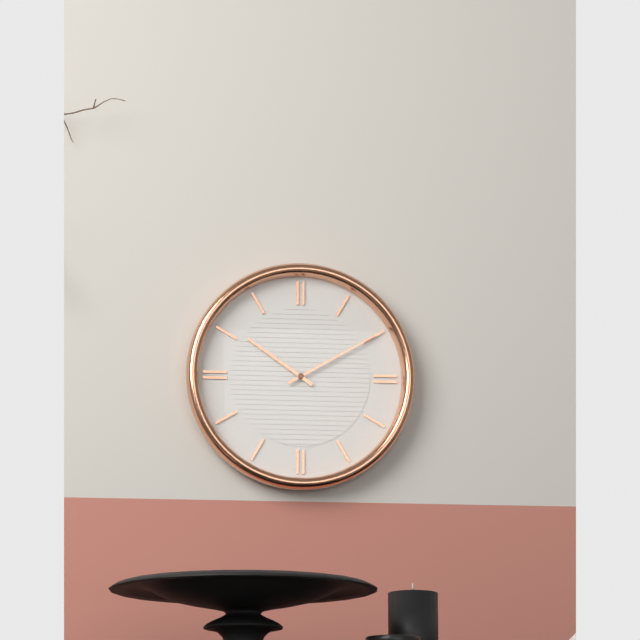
h=10 m=10
